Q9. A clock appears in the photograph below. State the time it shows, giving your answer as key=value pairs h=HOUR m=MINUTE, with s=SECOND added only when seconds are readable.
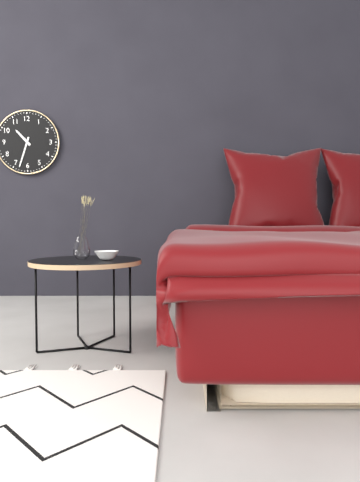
h=10 m=33
